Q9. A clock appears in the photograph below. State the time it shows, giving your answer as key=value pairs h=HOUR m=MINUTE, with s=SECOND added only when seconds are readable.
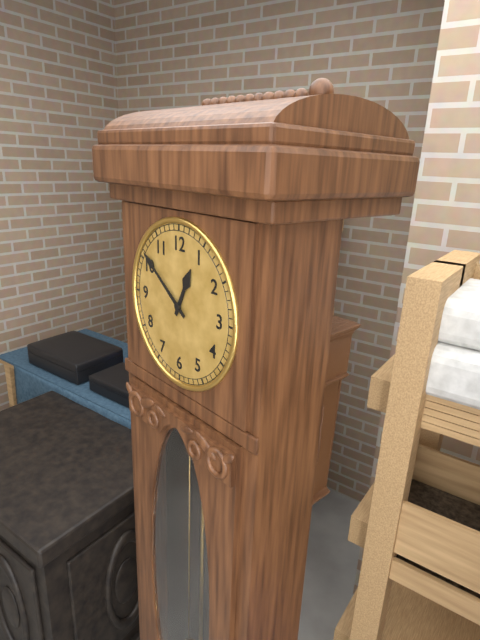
h=12 m=51
